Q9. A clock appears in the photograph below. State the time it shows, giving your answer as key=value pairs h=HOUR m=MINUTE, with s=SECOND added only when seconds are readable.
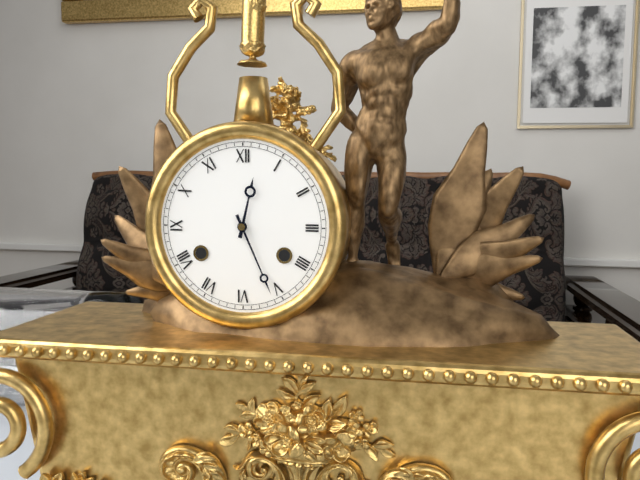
h=12 m=26
